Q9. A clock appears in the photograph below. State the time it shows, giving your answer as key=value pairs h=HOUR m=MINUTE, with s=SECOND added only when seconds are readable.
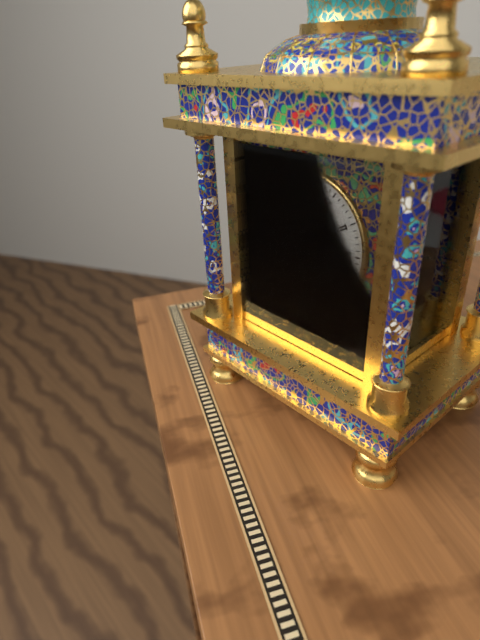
h=4 m=40 s=4
